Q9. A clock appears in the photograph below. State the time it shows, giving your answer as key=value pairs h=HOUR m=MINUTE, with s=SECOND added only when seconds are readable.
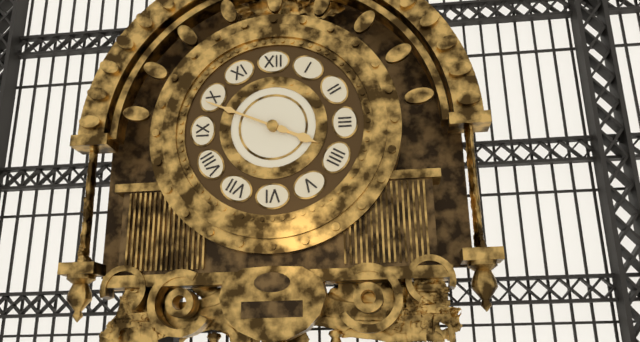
h=3 m=49
